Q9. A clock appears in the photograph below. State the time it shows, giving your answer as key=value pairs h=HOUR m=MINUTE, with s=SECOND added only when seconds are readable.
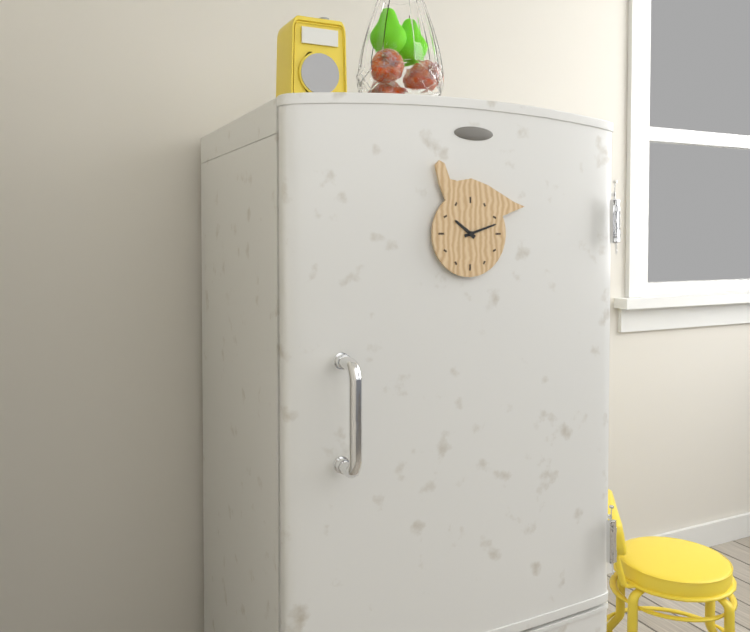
h=10 m=12
